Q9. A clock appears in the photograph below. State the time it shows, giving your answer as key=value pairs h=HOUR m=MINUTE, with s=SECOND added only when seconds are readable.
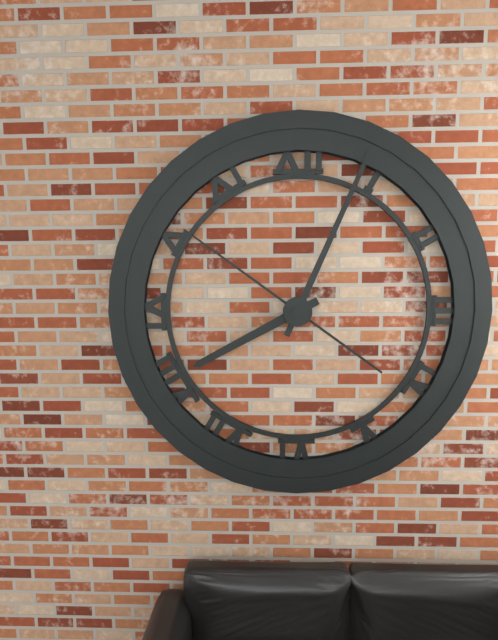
h=8 m=4 s=51
